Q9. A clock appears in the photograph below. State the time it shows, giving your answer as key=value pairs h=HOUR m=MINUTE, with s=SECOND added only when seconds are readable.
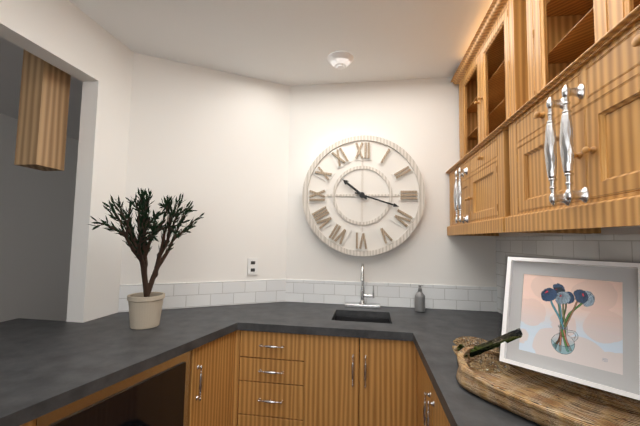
h=10 m=18
